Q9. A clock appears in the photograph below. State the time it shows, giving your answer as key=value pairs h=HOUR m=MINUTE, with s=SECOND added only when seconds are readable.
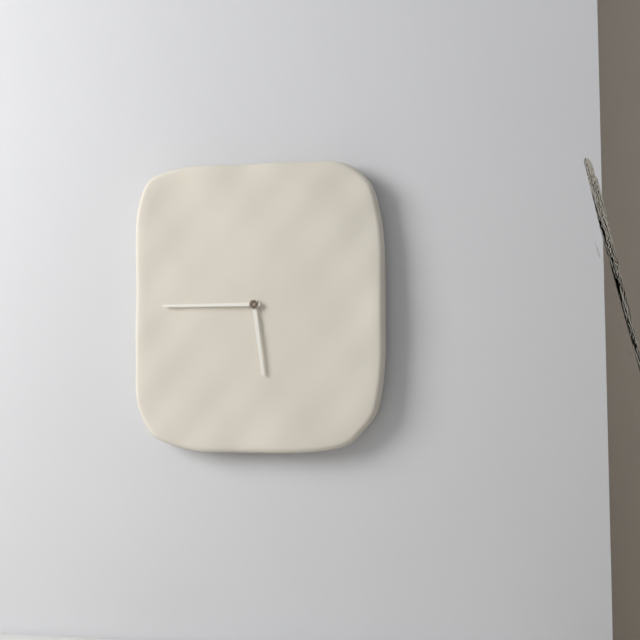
h=5 m=45
